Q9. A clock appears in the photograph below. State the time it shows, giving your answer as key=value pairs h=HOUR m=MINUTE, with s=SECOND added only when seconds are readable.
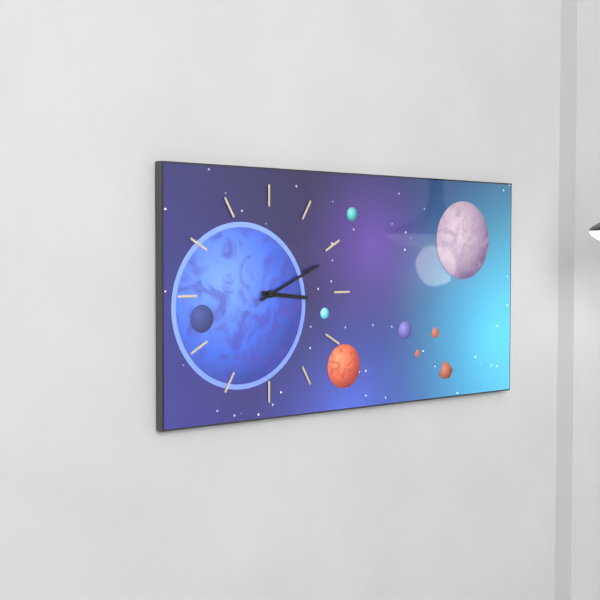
h=3 m=11
